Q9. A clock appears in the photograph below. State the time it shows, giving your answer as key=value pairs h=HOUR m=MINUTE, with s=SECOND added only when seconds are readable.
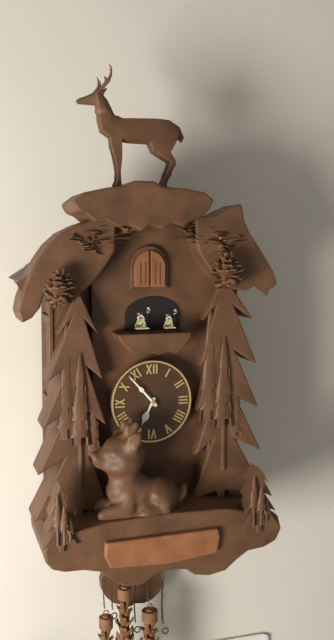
h=6 m=53
